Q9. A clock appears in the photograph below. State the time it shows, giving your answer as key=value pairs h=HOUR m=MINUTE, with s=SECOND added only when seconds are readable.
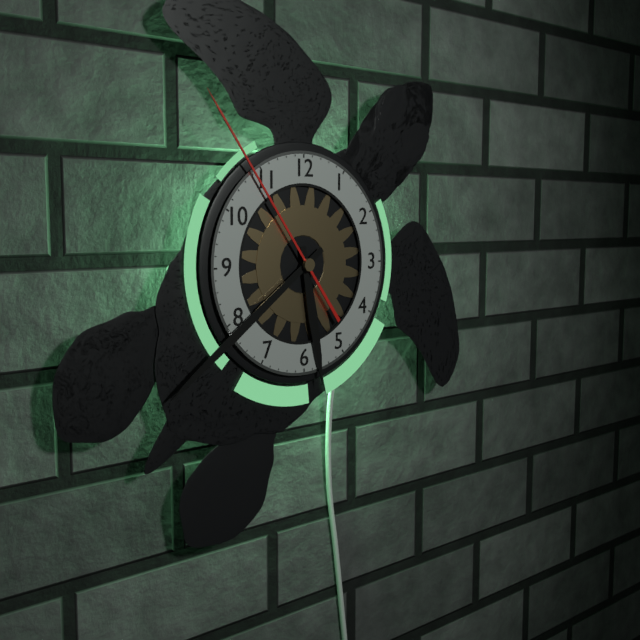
h=5 m=39 s=54
